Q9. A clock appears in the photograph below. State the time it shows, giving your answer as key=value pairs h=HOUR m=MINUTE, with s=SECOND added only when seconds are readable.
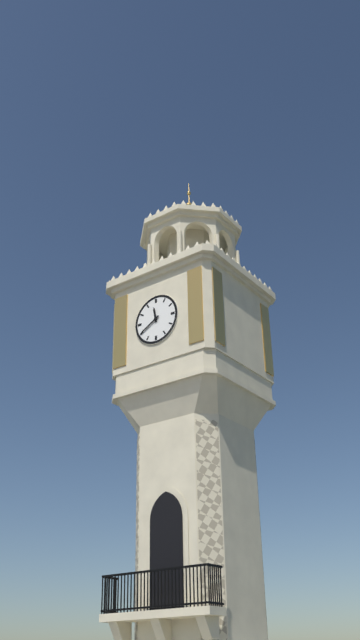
h=11 m=40
